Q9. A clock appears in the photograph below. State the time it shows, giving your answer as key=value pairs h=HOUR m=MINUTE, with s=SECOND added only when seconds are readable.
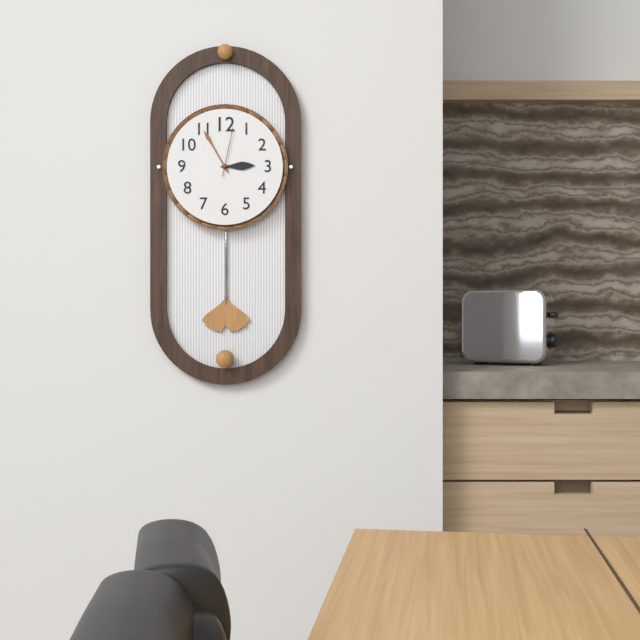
h=2 m=55 s=2
